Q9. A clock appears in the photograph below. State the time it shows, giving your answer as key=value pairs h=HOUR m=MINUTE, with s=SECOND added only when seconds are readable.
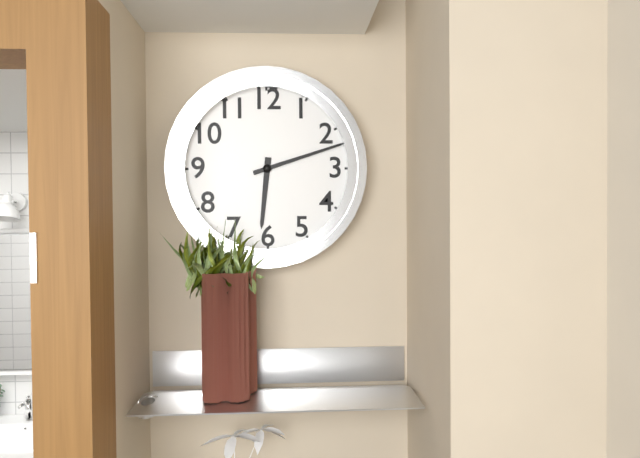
h=6 m=12
